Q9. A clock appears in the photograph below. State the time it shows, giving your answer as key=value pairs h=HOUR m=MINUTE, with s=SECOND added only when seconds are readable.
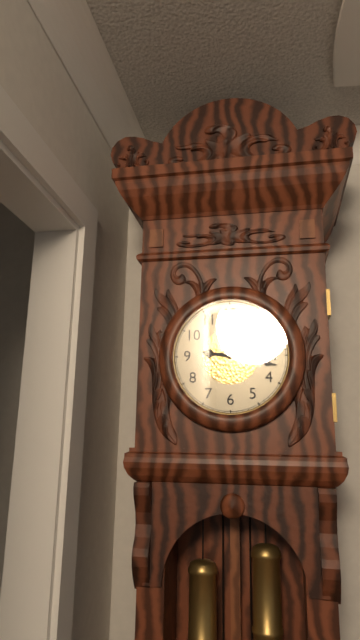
h=9 m=17
